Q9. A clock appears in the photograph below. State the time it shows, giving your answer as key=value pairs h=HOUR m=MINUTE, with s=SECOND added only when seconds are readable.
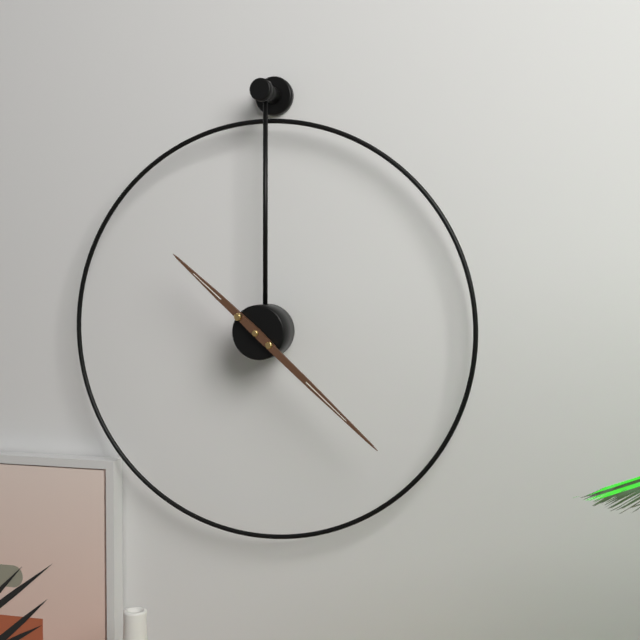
h=10 m=22
